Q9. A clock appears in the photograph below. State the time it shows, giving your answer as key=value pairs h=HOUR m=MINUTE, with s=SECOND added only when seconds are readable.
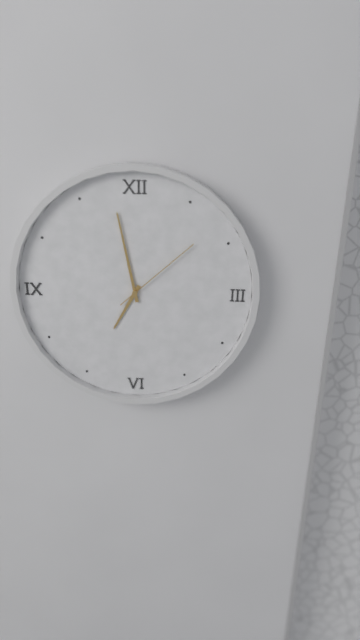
h=6 m=58 s=8
